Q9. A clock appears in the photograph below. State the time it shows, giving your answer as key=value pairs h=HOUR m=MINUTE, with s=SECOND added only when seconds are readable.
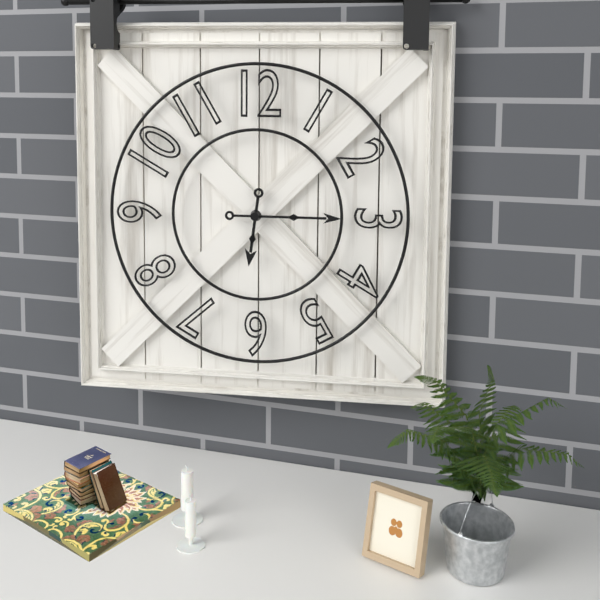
h=6 m=15
